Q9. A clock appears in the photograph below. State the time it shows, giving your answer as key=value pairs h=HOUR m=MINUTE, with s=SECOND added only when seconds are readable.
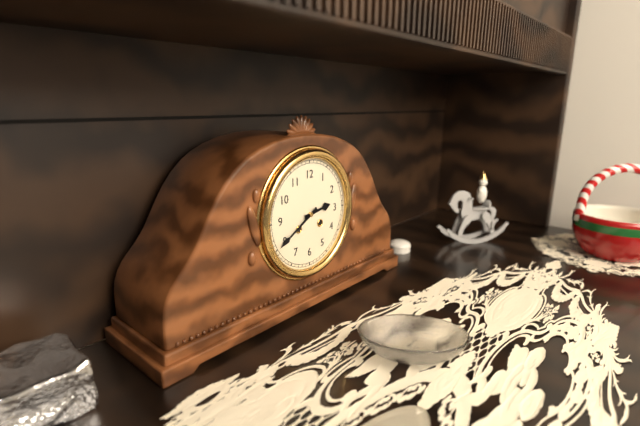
h=2 m=40
